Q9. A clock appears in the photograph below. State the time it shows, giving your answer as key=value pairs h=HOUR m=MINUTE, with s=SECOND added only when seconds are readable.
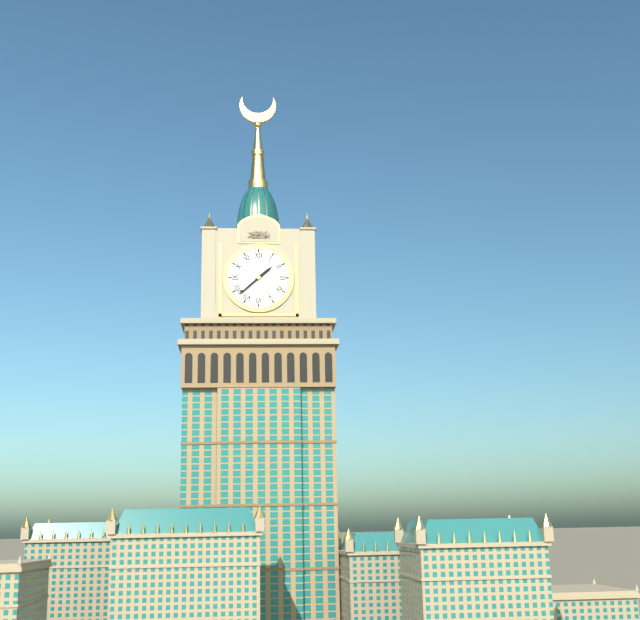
h=1 m=38
